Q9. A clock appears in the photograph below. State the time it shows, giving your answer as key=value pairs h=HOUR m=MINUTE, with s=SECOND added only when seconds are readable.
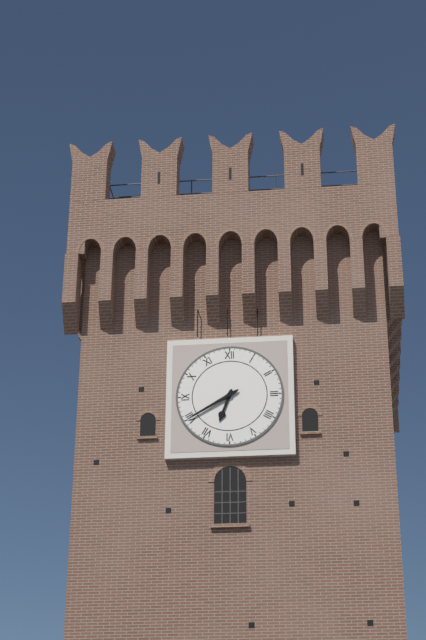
h=6 m=40
